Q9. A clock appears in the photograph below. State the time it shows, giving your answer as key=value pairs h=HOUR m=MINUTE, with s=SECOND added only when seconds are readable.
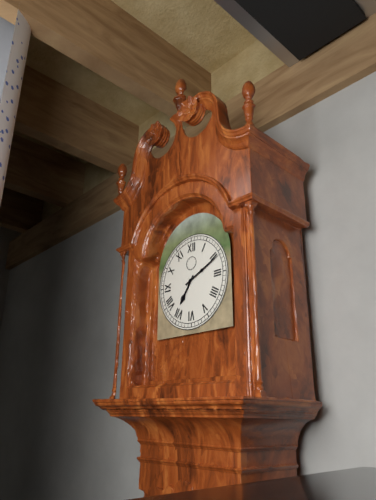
h=7 m=11
